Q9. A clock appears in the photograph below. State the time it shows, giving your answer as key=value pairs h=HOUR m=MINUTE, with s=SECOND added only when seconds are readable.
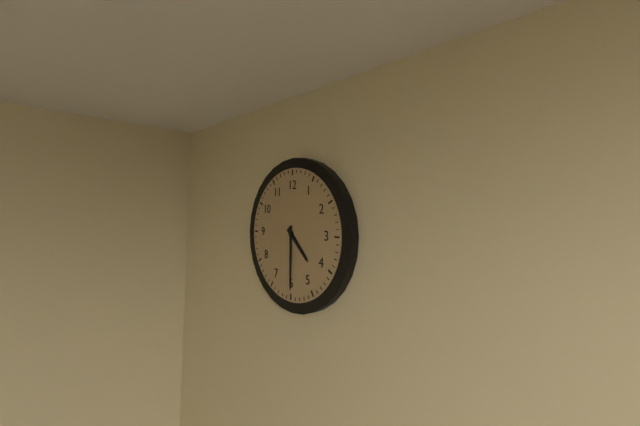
h=4 m=30
